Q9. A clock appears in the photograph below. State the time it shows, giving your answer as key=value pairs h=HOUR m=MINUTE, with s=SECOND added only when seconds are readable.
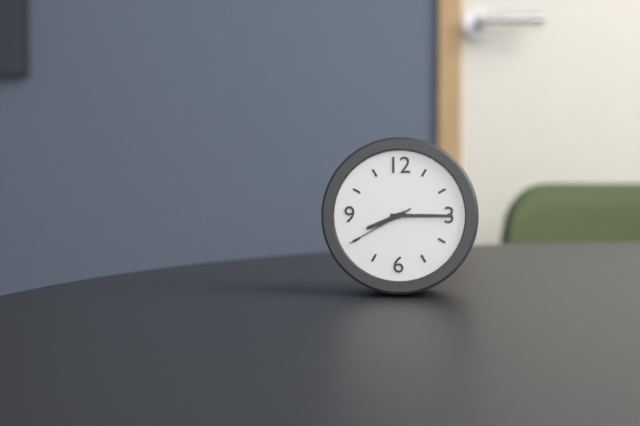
h=8 m=15 s=40
